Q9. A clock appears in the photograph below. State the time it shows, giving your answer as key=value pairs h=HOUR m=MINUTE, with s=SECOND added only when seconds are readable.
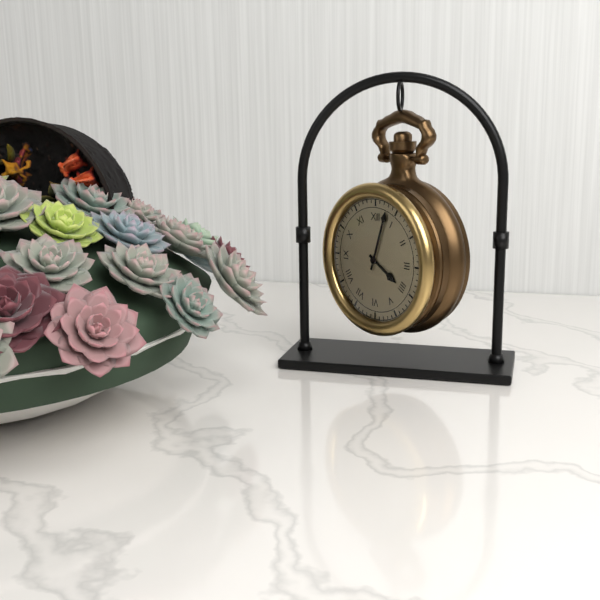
h=4 m=3
